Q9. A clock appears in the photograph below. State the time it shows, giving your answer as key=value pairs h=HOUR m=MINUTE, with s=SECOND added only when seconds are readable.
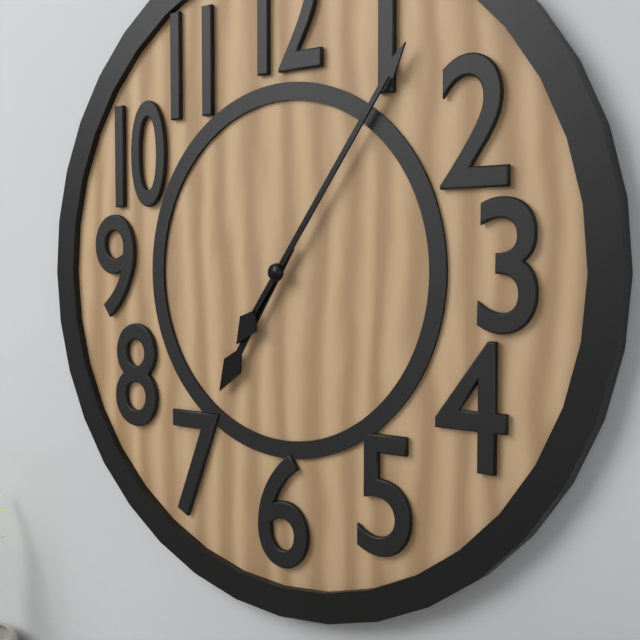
h=7 m=6
